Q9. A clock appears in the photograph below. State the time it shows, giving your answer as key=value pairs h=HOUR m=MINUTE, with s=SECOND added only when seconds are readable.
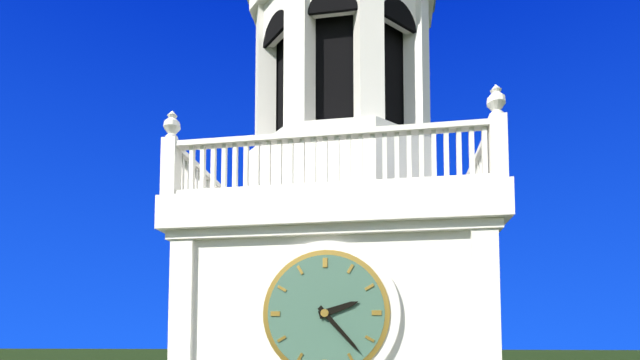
h=2 m=23
